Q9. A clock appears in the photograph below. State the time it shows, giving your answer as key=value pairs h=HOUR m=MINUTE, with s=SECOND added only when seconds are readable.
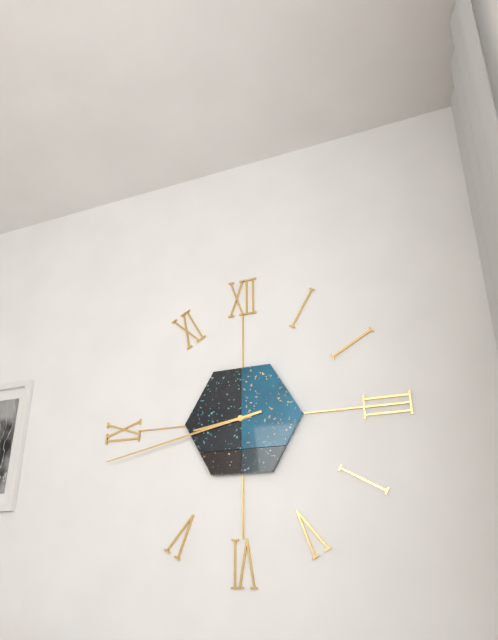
h=8 m=43
